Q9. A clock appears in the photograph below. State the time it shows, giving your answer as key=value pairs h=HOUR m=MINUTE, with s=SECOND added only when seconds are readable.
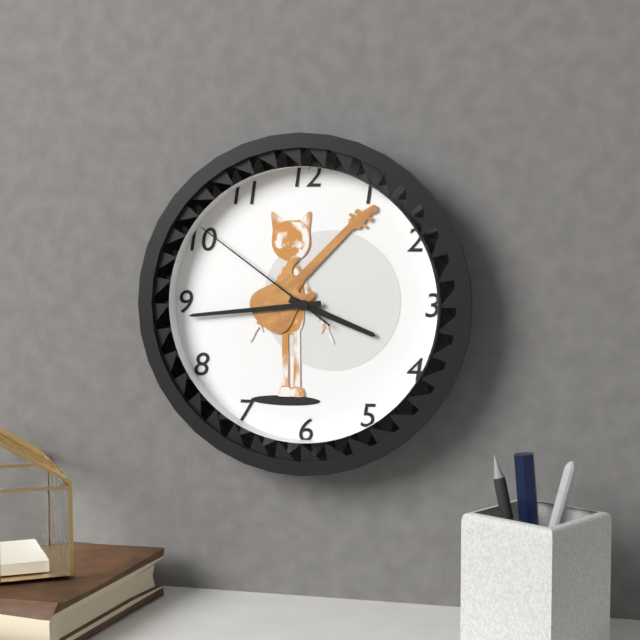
h=3 m=44 s=51
